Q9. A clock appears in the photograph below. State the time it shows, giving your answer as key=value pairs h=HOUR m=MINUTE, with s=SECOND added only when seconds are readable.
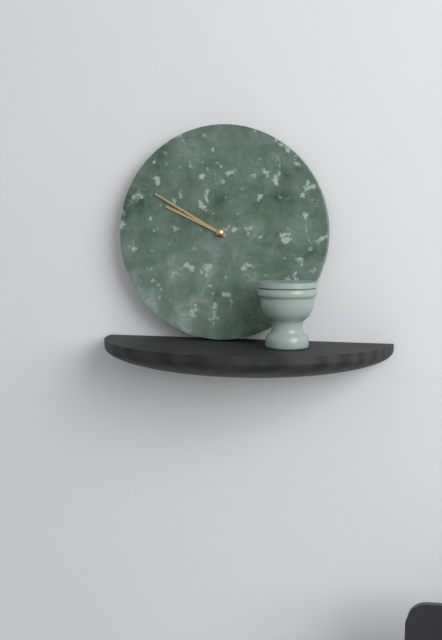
h=9 m=50
